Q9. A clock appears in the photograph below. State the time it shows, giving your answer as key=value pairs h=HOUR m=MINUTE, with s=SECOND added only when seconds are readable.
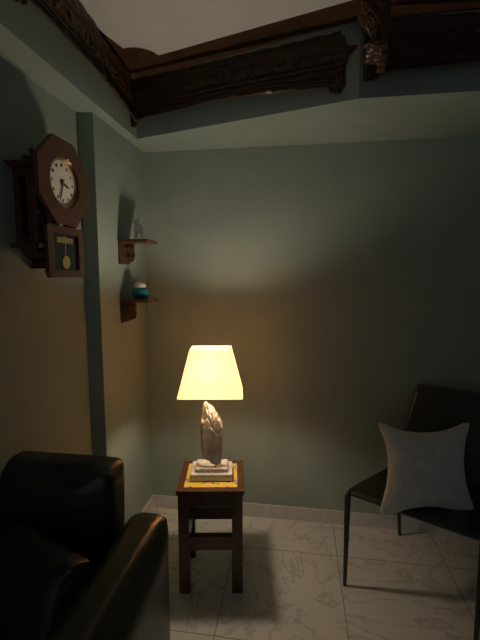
h=3 m=33
